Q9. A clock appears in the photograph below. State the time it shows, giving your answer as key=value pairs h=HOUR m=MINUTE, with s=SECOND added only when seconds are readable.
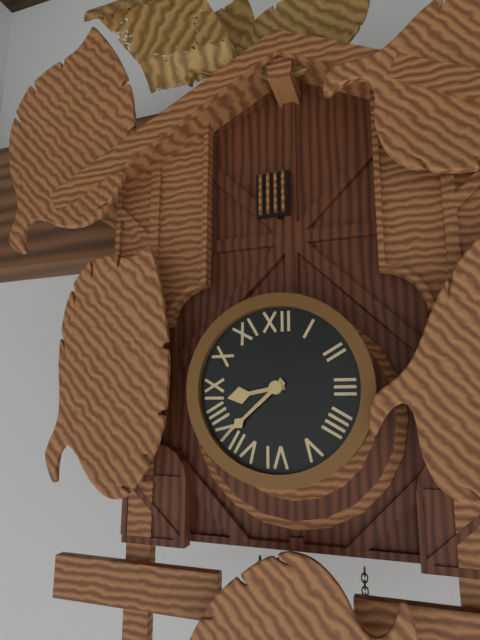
h=8 m=38
